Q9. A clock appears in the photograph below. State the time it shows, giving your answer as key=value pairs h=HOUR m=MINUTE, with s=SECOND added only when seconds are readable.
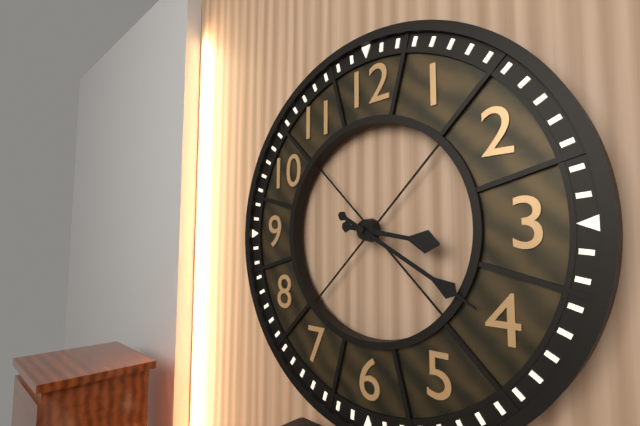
h=3 m=20
